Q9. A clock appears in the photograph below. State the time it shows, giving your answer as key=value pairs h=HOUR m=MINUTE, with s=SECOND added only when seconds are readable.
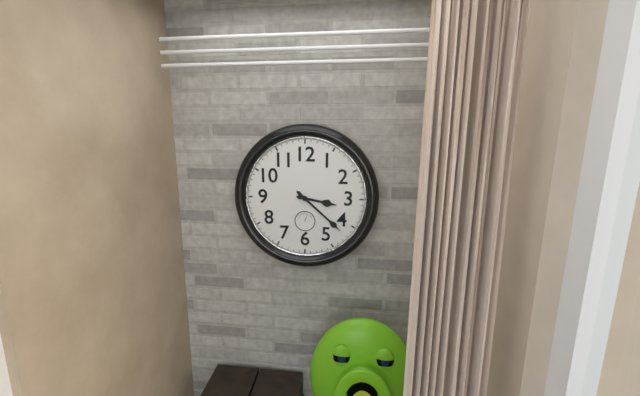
h=3 m=22
